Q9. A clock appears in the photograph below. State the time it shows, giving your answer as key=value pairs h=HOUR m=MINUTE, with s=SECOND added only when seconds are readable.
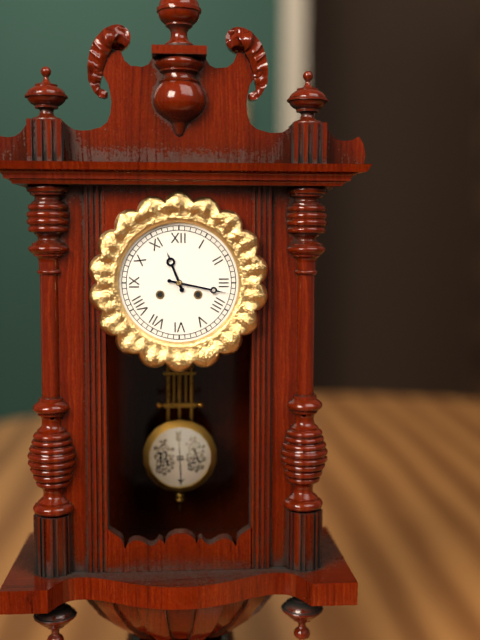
h=11 m=17
